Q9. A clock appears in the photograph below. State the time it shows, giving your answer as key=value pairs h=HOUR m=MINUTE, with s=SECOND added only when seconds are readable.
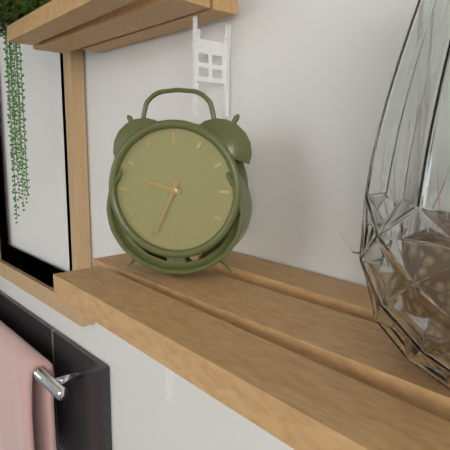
h=9 m=34
